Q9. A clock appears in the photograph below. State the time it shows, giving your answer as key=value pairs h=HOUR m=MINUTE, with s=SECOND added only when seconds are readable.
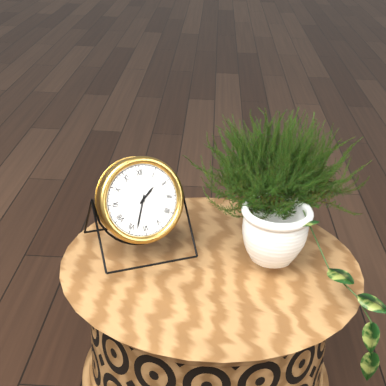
h=1 m=33
